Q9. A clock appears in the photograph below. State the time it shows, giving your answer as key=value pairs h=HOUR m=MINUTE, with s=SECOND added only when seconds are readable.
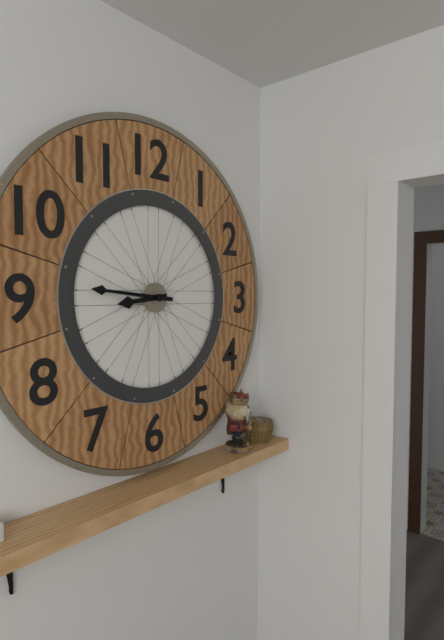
h=8 m=46
